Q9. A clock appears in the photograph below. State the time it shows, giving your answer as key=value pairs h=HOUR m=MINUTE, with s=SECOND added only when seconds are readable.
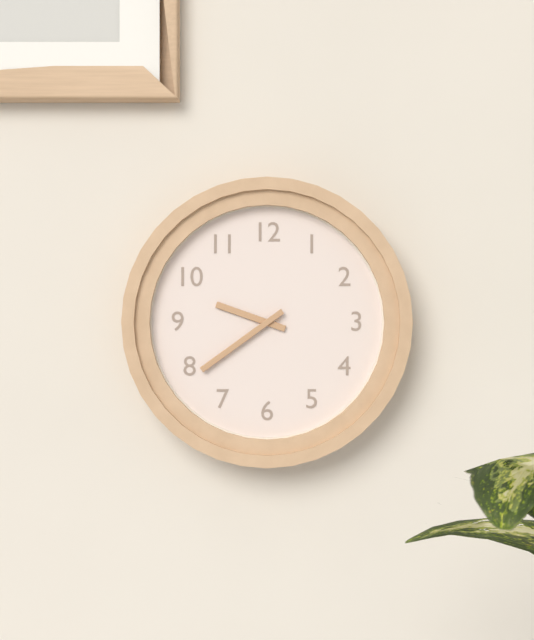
h=9 m=39
